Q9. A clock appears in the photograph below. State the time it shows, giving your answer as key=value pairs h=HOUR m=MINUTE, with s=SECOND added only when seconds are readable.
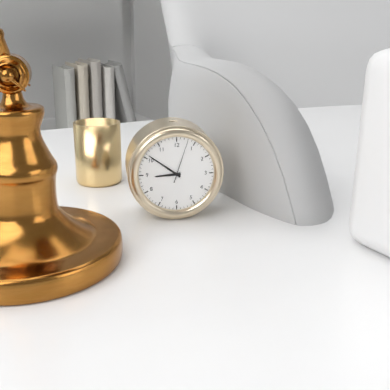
h=8 m=51
